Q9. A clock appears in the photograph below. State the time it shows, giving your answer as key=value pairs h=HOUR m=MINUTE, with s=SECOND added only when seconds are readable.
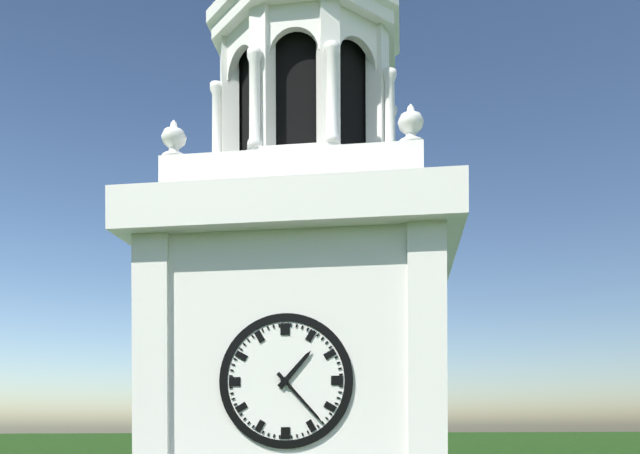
h=1 m=23
